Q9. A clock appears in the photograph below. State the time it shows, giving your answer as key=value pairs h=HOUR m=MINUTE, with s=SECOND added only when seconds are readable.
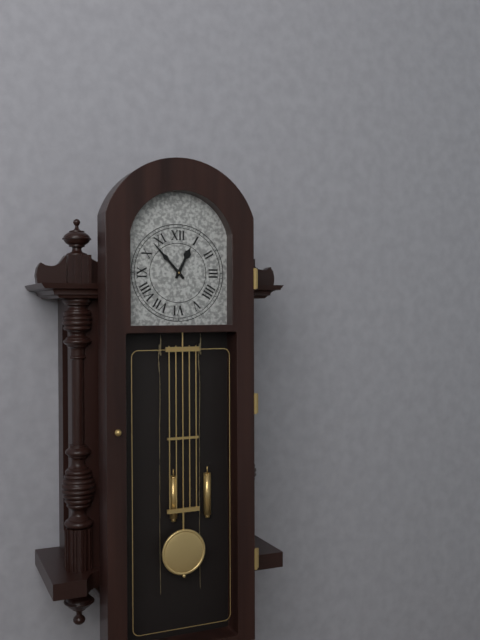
h=12 m=53
